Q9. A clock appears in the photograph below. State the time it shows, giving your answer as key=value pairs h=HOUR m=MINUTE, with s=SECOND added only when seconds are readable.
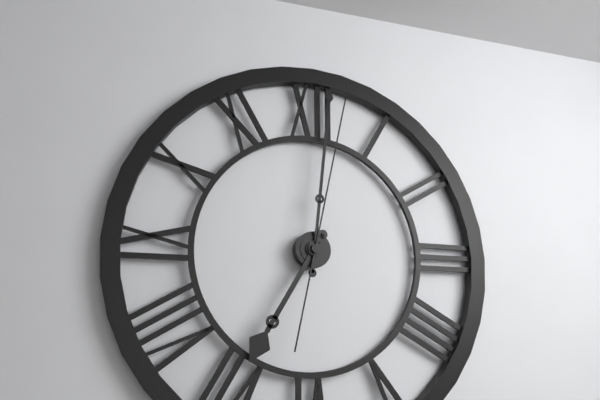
h=7 m=1 s=2
